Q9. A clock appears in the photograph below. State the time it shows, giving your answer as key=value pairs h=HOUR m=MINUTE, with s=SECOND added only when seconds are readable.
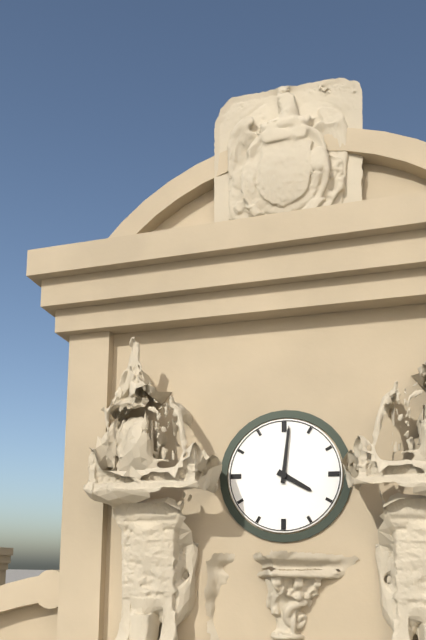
h=4 m=1
